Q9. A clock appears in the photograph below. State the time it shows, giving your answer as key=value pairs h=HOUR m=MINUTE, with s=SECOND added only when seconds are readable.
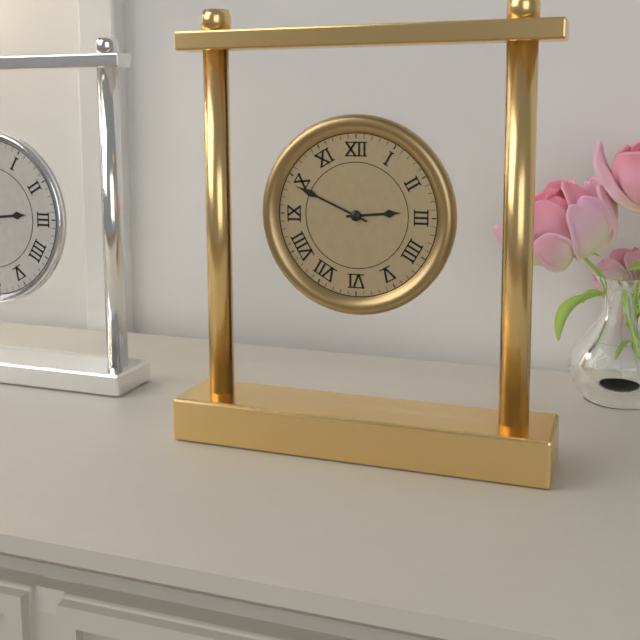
h=2 m=49
